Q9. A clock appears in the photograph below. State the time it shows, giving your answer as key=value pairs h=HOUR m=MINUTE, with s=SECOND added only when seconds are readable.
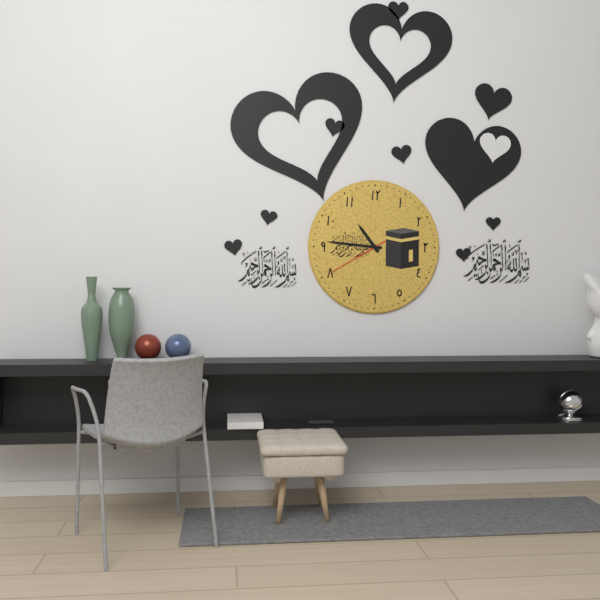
h=10 m=46 s=40
